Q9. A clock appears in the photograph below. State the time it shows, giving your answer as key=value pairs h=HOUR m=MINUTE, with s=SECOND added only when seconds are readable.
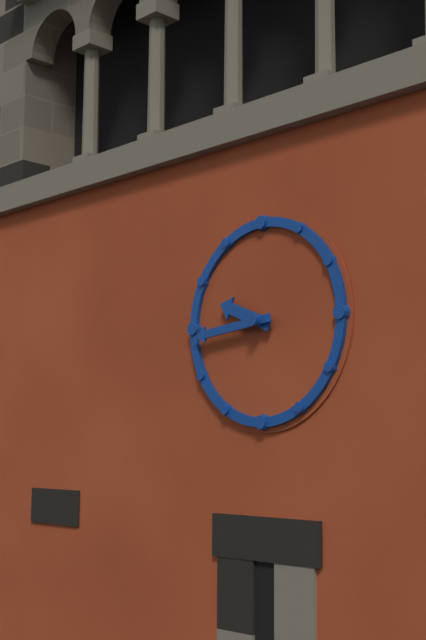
h=9 m=44
